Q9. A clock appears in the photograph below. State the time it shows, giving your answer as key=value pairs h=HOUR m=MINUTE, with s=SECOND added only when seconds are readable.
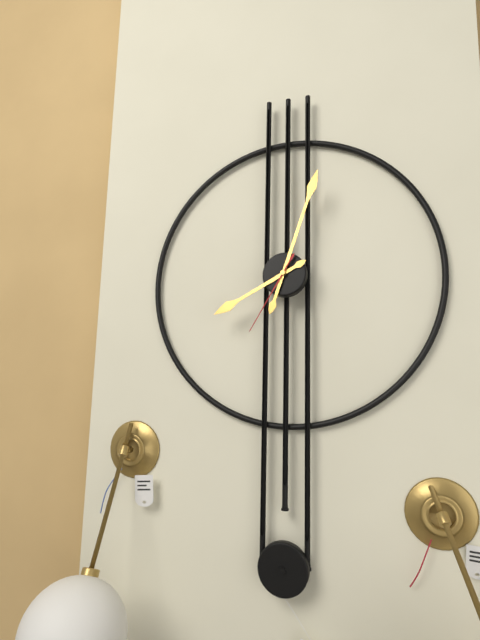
h=8 m=3 s=35
